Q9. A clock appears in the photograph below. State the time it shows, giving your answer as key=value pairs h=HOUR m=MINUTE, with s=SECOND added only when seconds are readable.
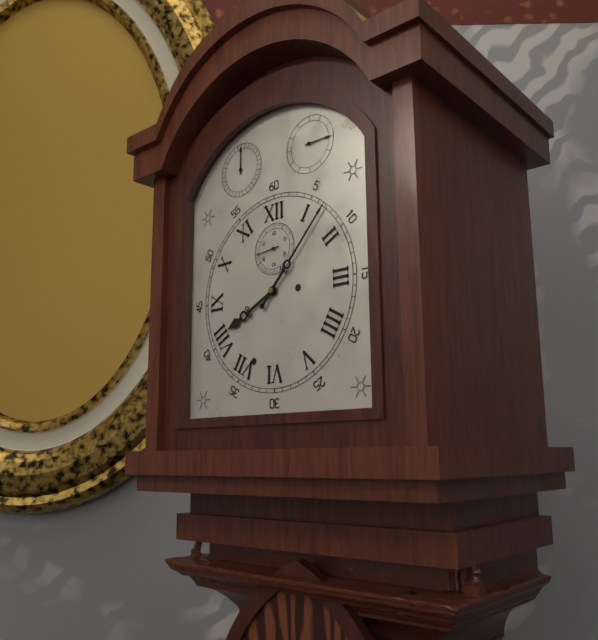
h=8 m=7
